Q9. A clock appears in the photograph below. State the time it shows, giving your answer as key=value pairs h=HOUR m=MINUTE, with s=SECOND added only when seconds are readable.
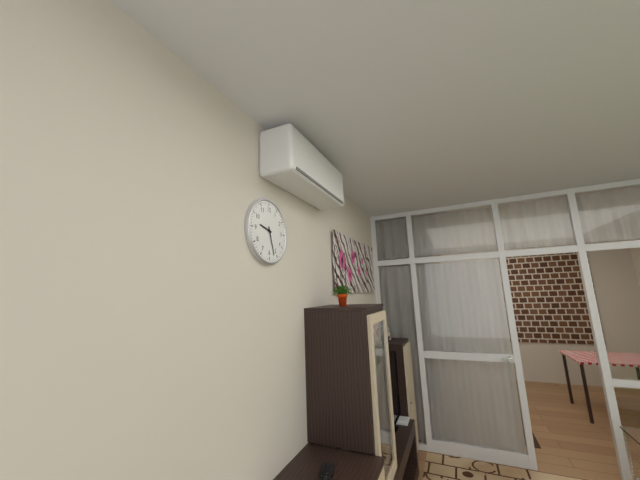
h=9 m=27
